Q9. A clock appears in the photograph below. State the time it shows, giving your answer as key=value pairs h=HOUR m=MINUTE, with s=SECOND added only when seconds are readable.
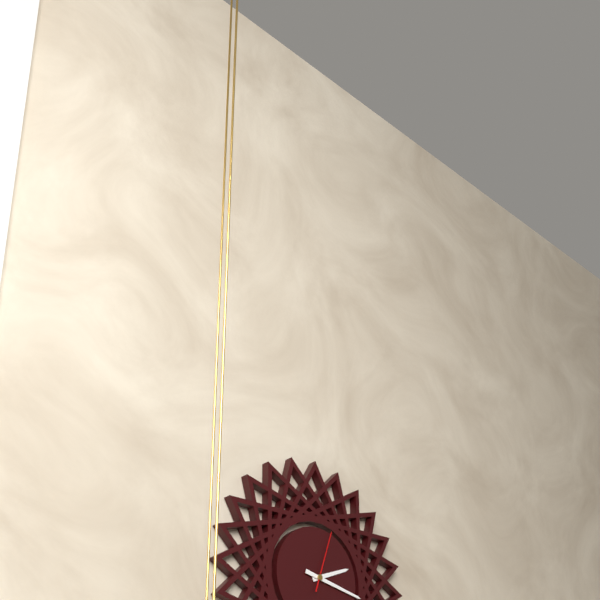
h=2 m=17 s=3
